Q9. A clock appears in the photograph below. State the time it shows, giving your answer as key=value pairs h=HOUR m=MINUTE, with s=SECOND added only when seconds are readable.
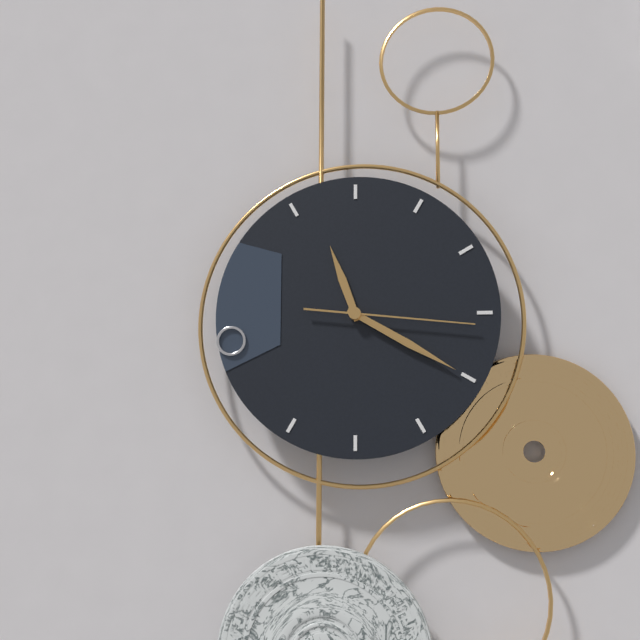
h=11 m=20 s=16
